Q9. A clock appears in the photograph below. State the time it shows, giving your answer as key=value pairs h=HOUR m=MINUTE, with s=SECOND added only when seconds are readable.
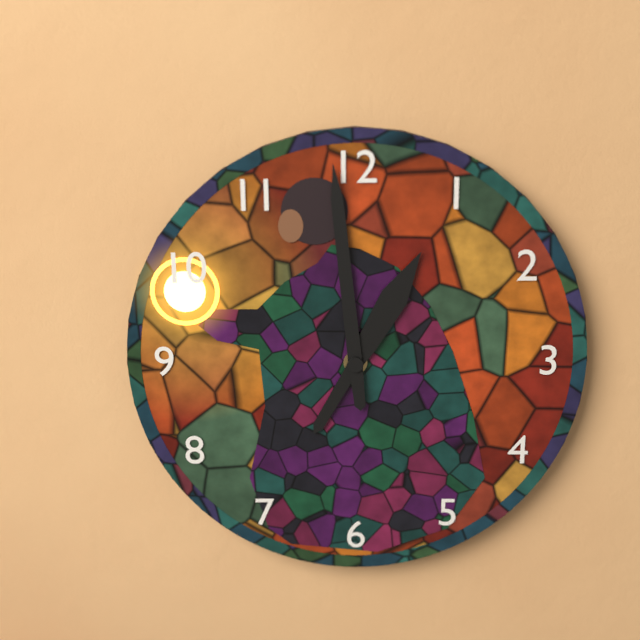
h=12 m=59
